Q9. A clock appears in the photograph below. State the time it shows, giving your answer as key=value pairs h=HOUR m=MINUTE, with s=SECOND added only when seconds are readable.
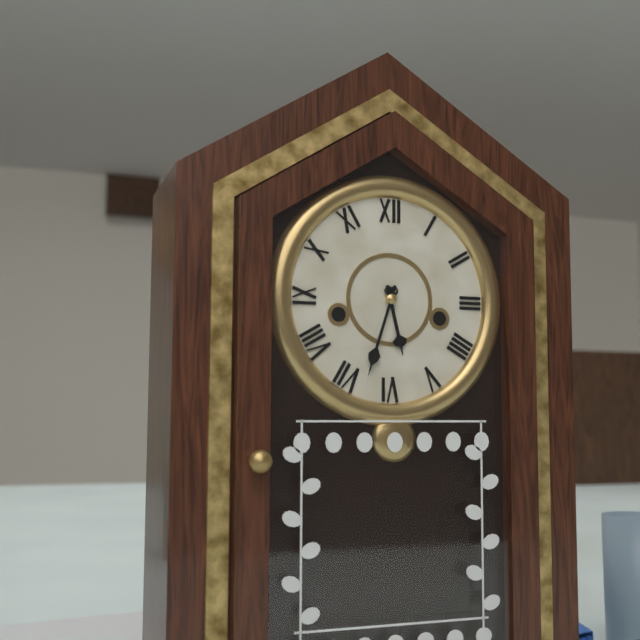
h=5 m=33
